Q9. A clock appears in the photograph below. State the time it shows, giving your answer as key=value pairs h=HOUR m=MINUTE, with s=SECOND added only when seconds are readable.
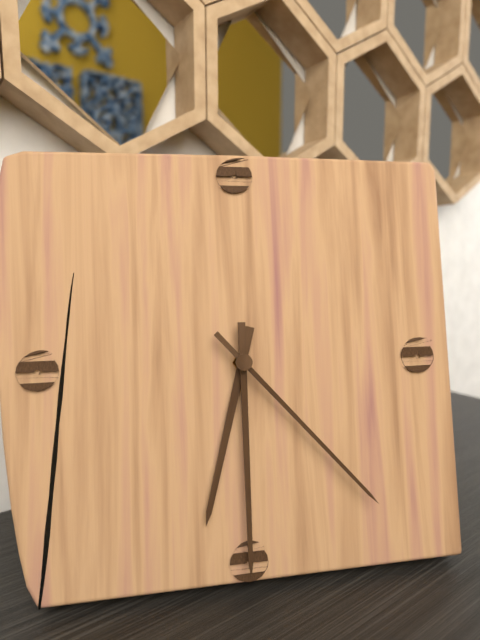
h=6 m=30 s=23
